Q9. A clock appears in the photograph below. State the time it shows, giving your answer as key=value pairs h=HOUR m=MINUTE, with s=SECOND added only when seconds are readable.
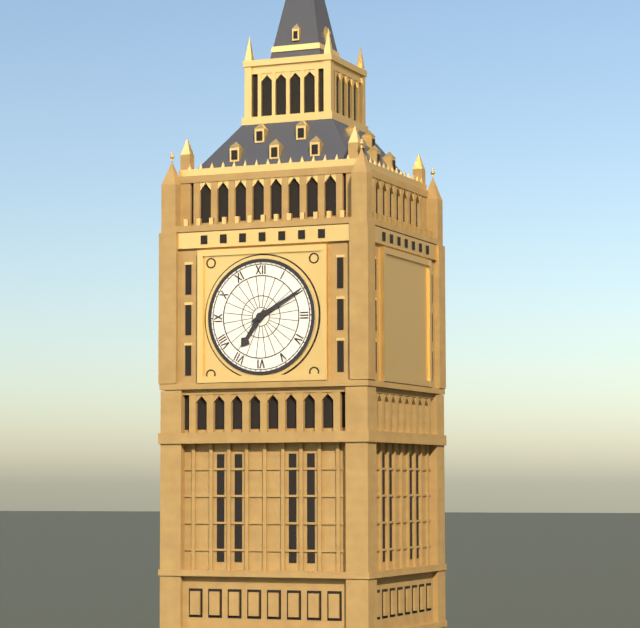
h=7 m=10
